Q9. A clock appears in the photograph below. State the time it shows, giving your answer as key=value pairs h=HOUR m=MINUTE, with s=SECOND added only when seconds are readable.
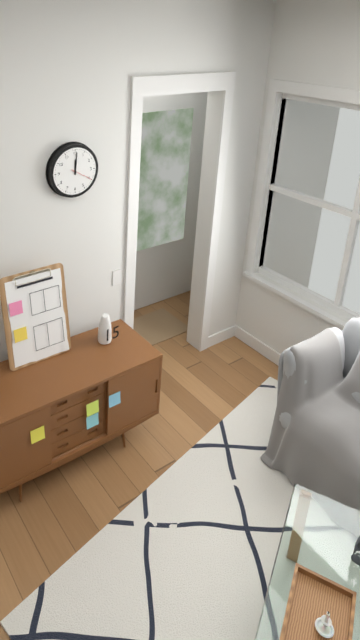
h=12 m=1
